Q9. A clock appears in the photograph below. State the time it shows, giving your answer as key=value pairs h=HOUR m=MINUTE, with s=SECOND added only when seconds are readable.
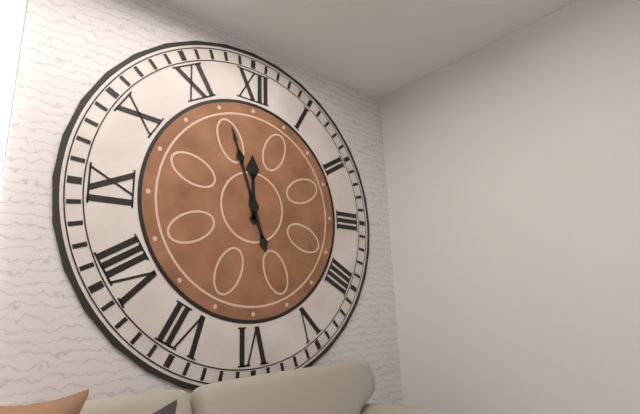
h=11 m=57
